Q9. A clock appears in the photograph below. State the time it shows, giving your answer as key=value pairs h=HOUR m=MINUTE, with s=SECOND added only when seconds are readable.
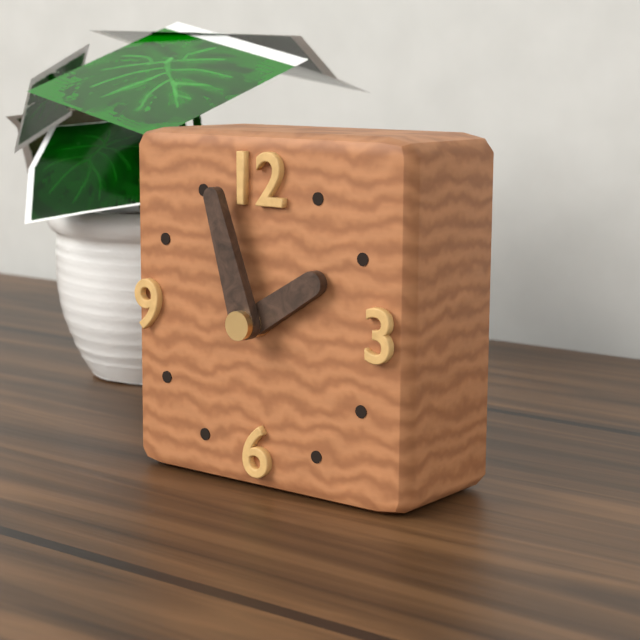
h=1 m=57
